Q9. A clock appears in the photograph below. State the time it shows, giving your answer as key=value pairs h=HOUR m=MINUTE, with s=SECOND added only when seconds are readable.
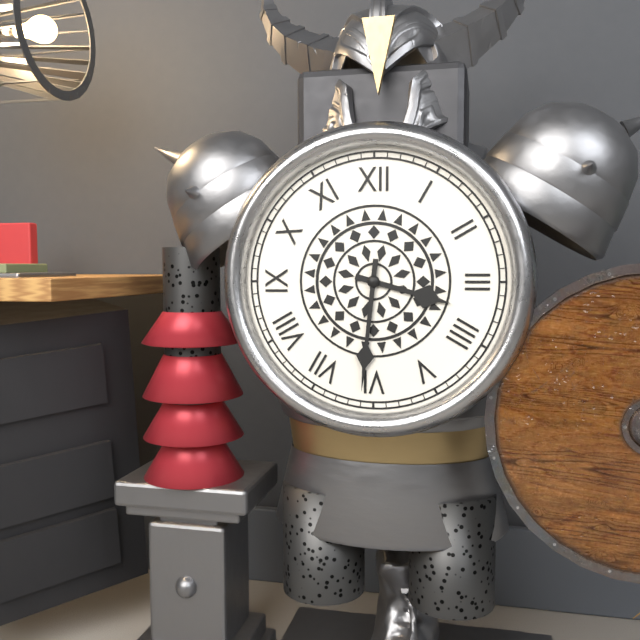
h=3 m=31
